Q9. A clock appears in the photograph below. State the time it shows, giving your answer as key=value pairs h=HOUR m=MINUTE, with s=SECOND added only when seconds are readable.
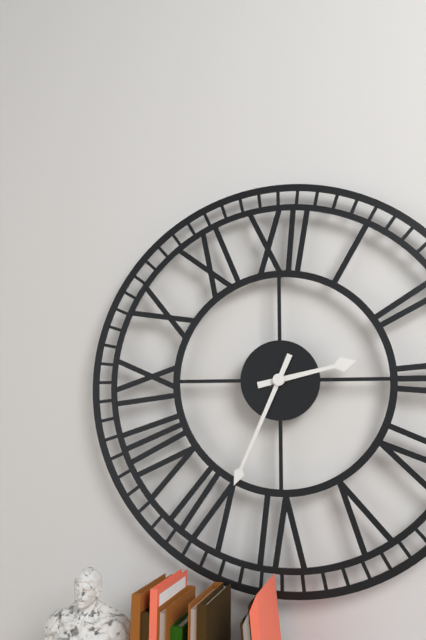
h=2 m=34
